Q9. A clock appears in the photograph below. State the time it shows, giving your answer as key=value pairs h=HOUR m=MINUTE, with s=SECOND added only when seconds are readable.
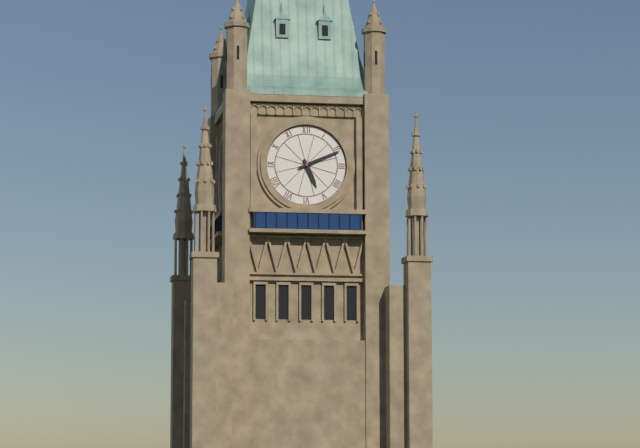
h=5 m=11
